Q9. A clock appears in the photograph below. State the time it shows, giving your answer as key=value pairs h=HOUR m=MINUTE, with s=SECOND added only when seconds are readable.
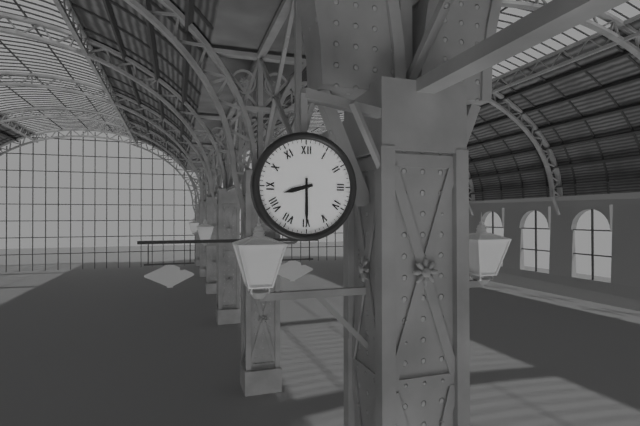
h=8 m=30
